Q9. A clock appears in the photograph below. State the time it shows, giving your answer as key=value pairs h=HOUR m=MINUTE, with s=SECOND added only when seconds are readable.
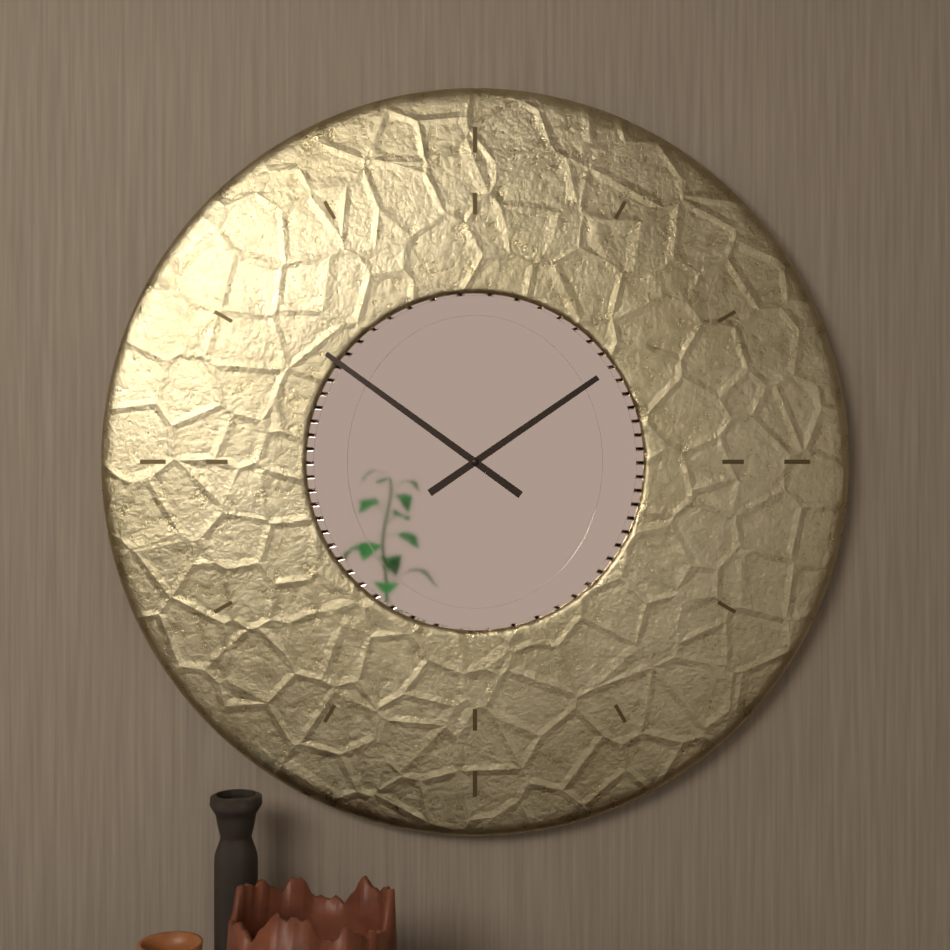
h=1 m=51
